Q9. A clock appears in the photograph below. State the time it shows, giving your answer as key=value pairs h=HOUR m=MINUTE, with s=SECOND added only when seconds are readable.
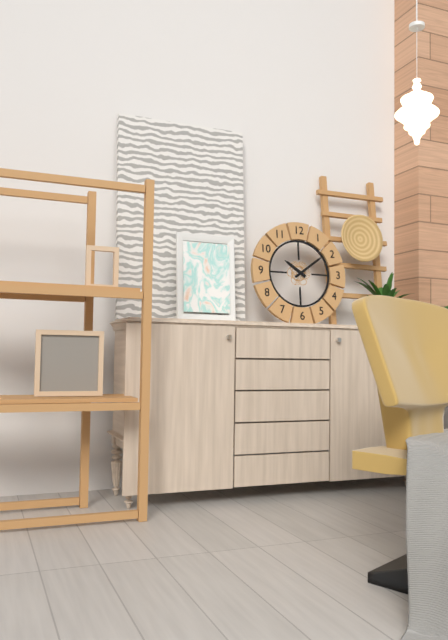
h=10 m=9
